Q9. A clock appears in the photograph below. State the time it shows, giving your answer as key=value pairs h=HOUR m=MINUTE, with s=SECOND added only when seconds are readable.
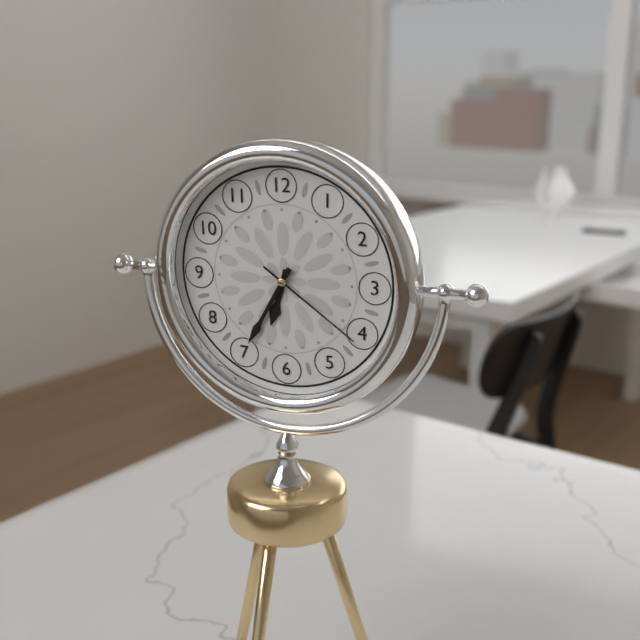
h=6 m=35 s=21
